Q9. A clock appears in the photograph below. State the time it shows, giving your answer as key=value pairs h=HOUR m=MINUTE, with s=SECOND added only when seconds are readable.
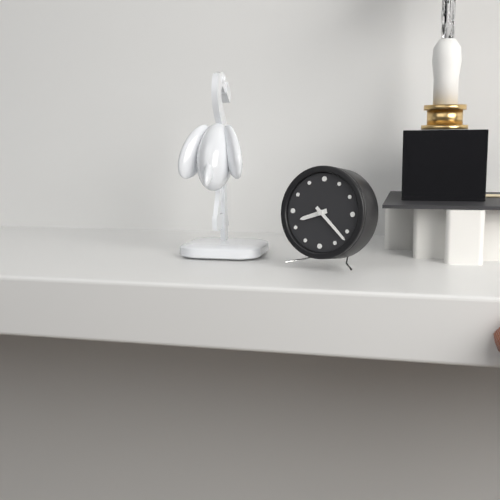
h=8 m=22
